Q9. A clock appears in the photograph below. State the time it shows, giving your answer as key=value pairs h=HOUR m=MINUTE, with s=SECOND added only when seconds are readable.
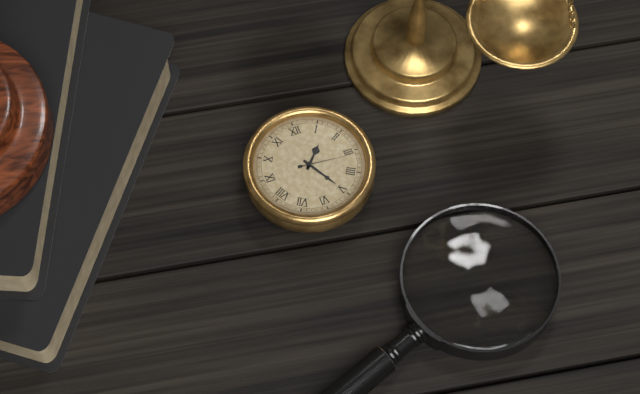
h=1 m=25
